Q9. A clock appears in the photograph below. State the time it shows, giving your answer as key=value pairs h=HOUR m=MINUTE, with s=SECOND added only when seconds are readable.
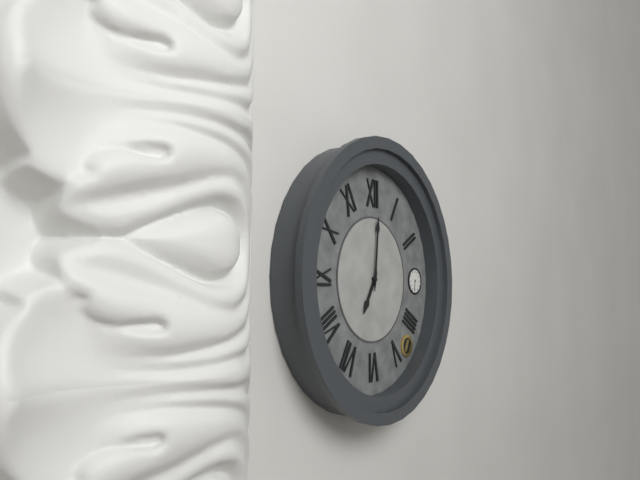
h=7 m=1
